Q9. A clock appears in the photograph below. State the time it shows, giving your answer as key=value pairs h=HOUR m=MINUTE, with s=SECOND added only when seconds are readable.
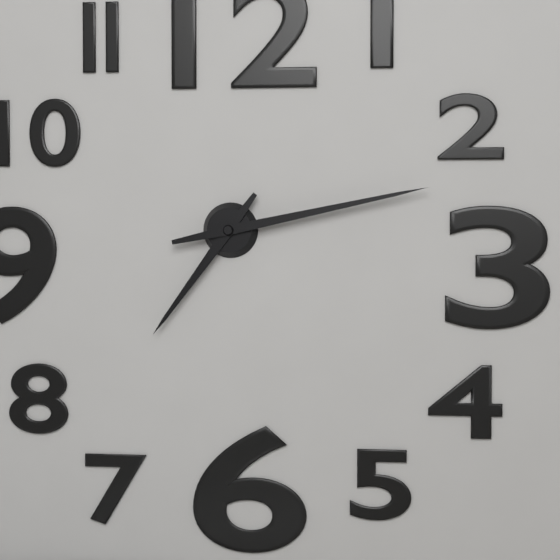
h=7 m=13
